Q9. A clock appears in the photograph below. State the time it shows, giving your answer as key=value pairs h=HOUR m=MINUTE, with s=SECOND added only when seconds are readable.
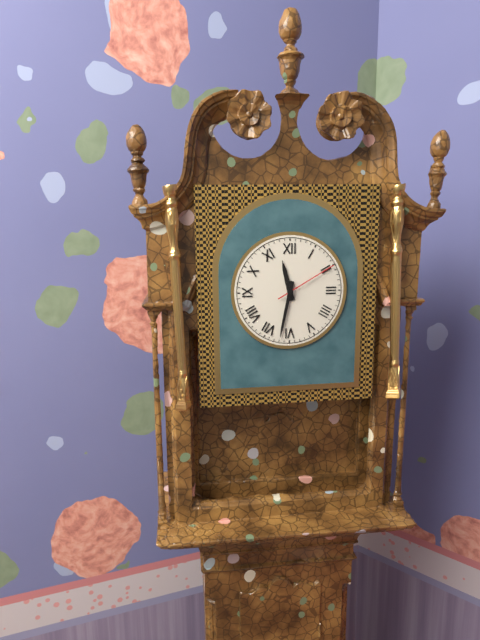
h=11 m=32 s=10
